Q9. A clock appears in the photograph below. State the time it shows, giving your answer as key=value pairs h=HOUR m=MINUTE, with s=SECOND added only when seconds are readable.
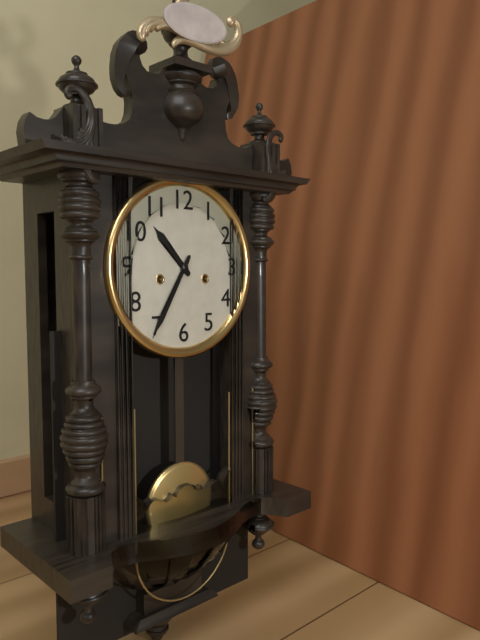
h=10 m=35
